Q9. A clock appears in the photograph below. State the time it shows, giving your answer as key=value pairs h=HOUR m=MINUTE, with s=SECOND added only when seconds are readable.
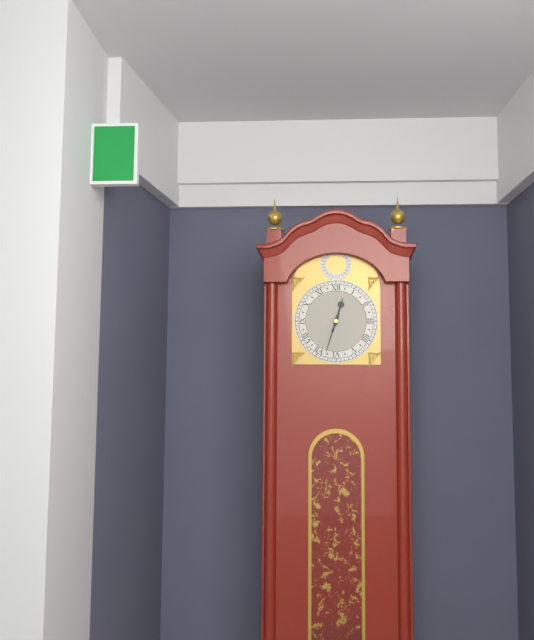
h=12 m=33
